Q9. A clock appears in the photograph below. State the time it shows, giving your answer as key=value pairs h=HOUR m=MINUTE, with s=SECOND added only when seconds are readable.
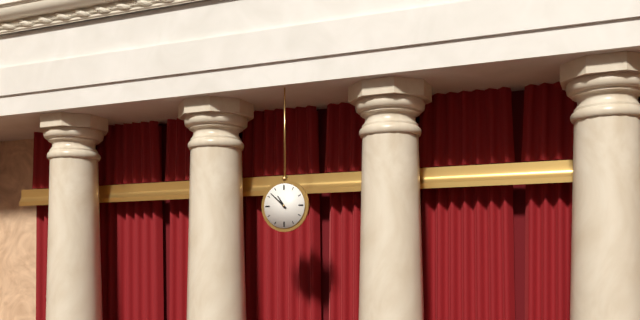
h=10 m=52
